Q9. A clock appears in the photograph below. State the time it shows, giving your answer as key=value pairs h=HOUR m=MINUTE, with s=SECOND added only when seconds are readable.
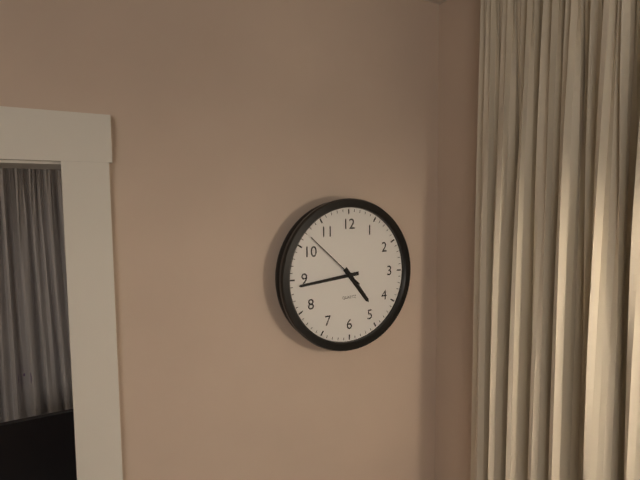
h=4 m=44 s=52
